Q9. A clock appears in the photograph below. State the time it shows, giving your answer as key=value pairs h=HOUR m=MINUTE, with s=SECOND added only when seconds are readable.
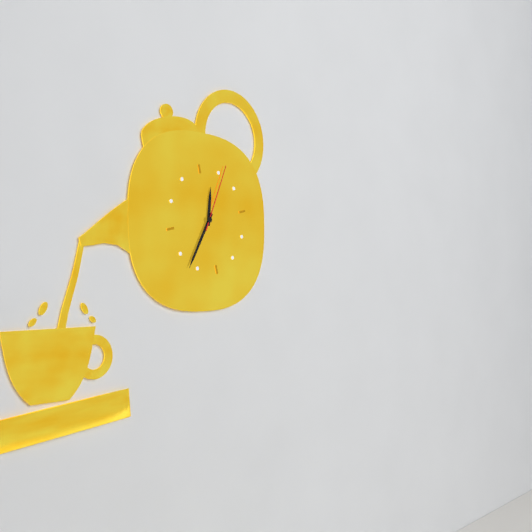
h=12 m=37 s=6
